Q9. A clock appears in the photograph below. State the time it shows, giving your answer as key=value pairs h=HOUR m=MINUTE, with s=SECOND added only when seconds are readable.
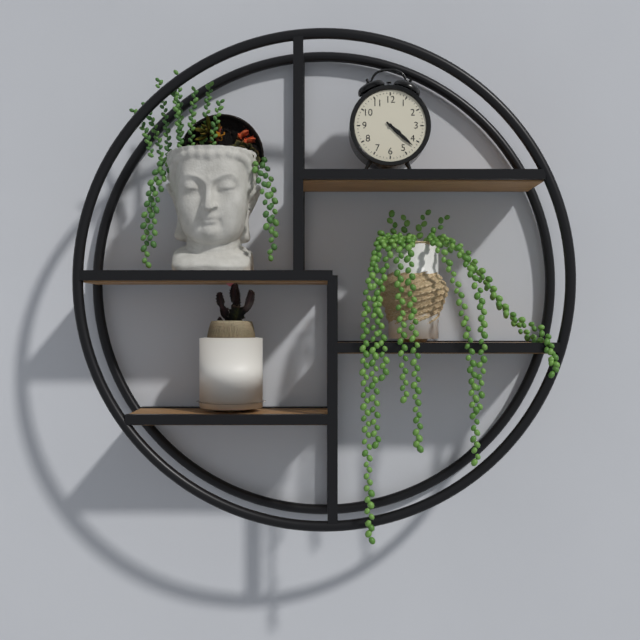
h=4 m=22
